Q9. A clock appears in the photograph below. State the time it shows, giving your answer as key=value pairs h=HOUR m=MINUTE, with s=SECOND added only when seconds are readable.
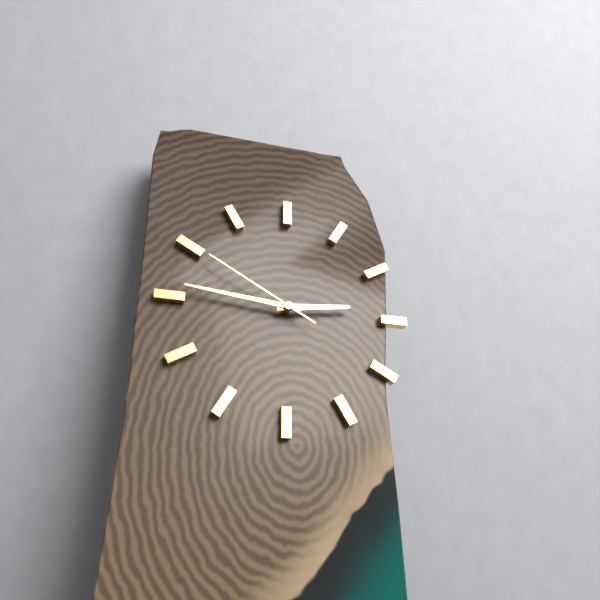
h=2 m=46 s=50
